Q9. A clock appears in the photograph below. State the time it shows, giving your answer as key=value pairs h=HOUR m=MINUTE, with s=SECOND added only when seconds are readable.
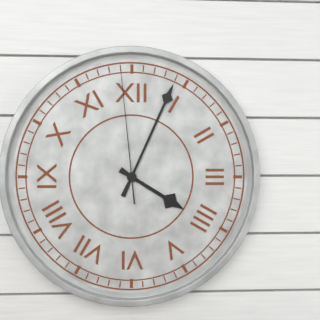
h=4 m=4 s=59
